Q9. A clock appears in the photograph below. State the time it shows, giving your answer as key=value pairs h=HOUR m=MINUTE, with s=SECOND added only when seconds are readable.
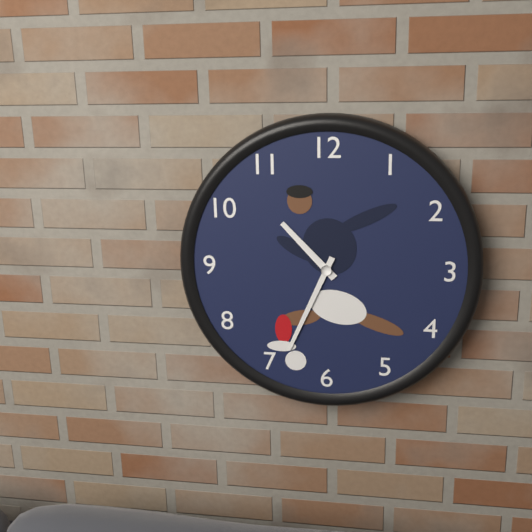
h=10 m=34
